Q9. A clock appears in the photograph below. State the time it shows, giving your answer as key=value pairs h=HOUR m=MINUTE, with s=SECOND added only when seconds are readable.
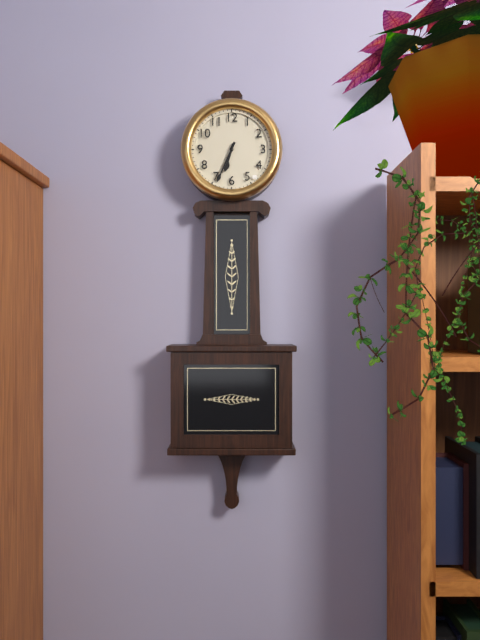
h=6 m=34
